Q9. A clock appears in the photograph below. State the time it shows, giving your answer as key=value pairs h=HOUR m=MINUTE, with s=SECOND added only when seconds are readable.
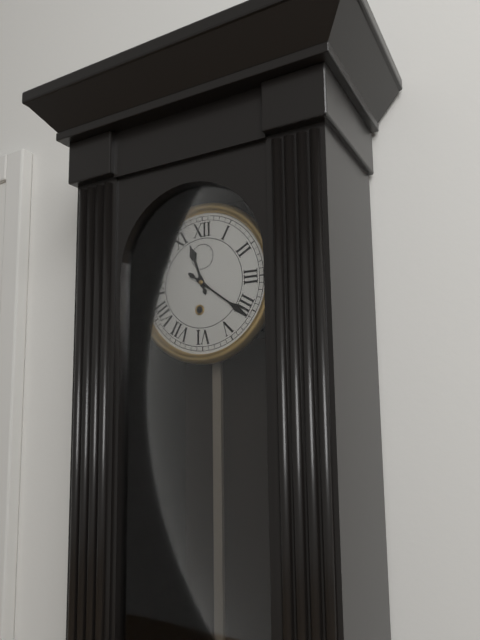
h=11 m=21
